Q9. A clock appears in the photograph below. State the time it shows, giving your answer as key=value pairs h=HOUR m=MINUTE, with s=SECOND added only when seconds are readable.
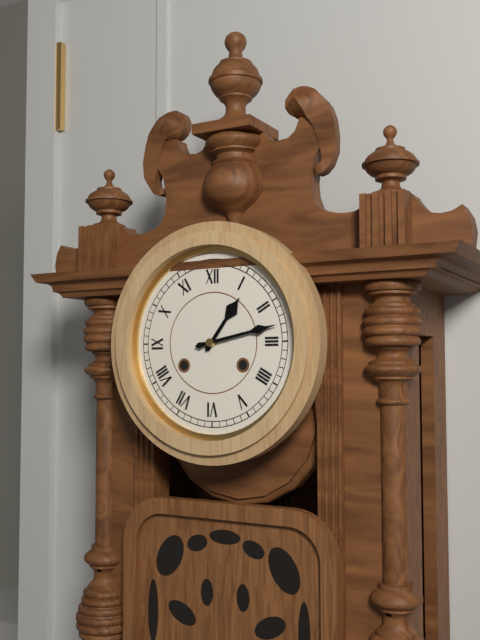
h=1 m=13
